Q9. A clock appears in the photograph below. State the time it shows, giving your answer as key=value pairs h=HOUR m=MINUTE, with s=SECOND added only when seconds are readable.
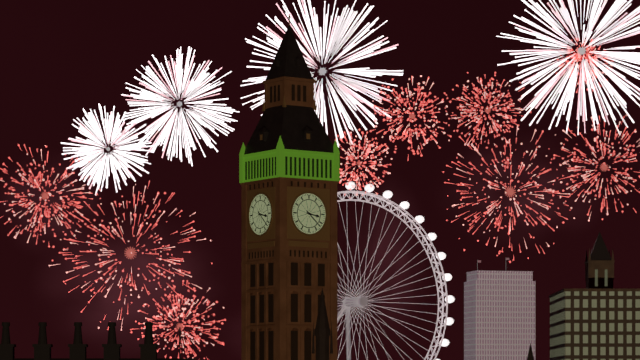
h=3 m=22
